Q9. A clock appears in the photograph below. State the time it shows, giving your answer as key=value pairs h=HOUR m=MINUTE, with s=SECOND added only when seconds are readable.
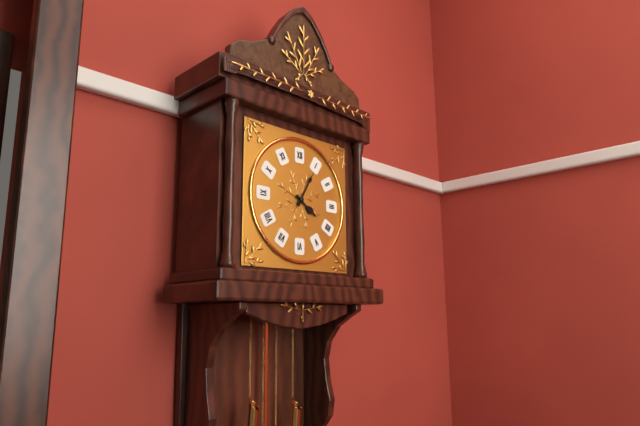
h=4 m=5
